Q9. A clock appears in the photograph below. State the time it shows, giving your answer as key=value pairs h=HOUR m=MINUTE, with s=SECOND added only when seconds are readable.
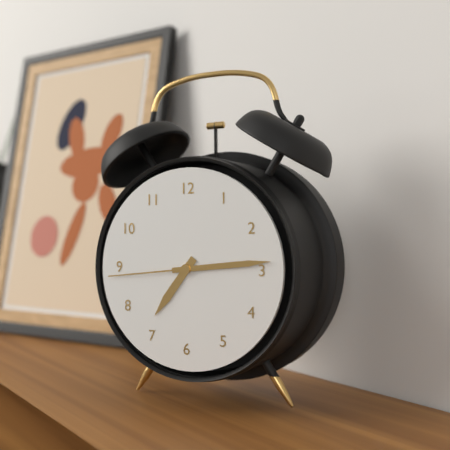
h=7 m=14 s=44
